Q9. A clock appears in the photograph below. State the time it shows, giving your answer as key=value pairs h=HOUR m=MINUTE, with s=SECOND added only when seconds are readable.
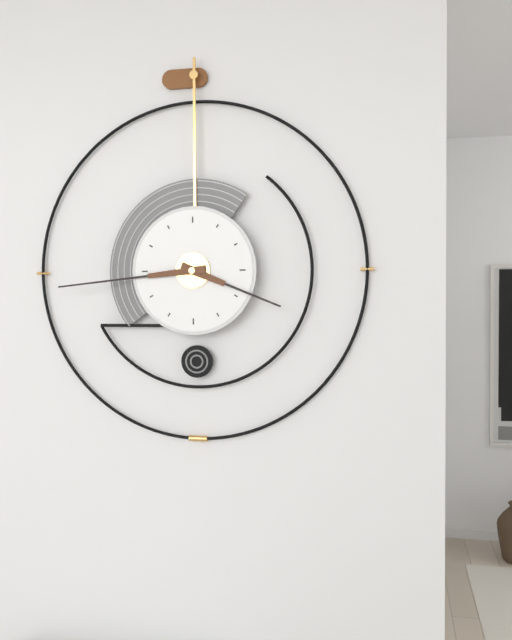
h=3 m=44
